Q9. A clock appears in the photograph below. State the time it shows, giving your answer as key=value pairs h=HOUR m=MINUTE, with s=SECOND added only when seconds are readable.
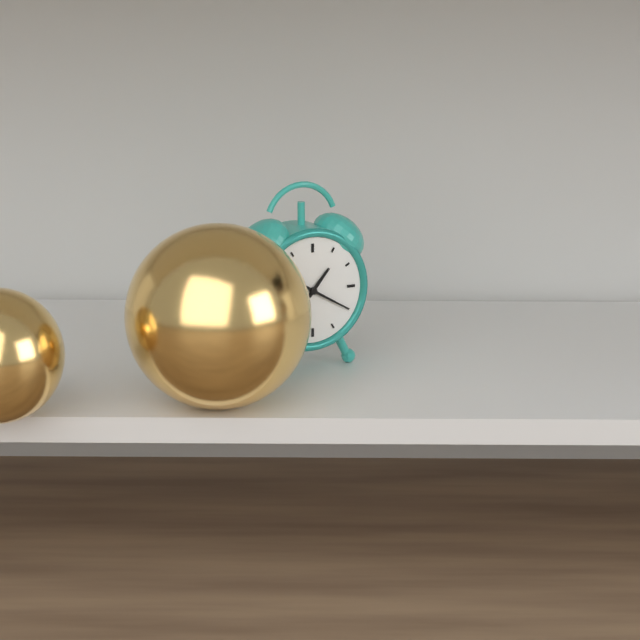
h=1 m=20
